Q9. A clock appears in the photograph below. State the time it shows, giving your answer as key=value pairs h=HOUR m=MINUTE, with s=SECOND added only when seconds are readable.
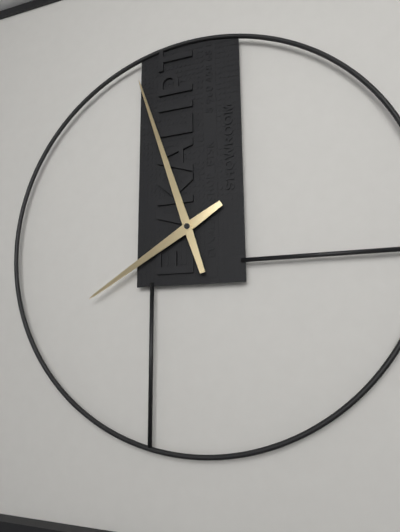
h=7 m=57
